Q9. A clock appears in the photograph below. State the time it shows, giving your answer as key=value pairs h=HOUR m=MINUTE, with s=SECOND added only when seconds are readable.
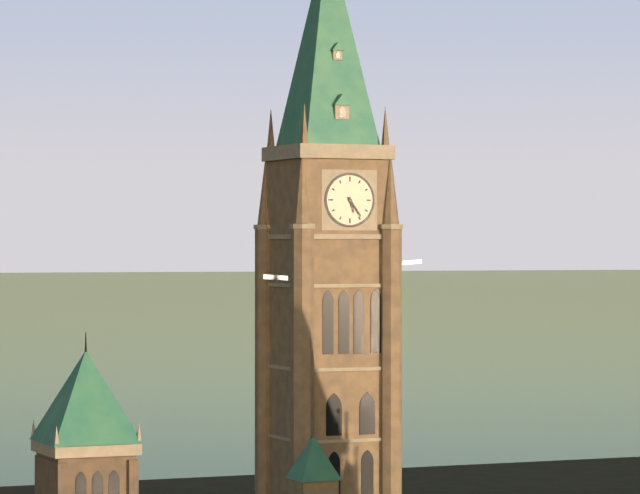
h=5 m=24
